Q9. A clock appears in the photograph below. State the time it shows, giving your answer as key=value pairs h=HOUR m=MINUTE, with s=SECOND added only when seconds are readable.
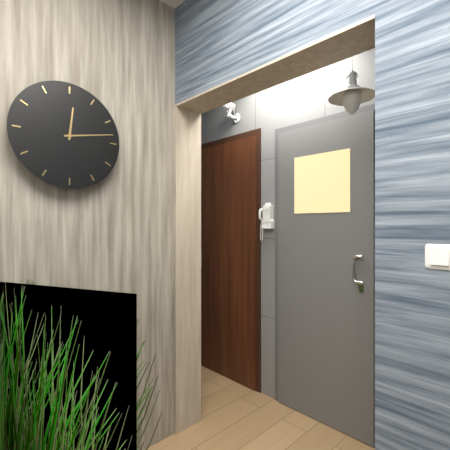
h=12 m=13
